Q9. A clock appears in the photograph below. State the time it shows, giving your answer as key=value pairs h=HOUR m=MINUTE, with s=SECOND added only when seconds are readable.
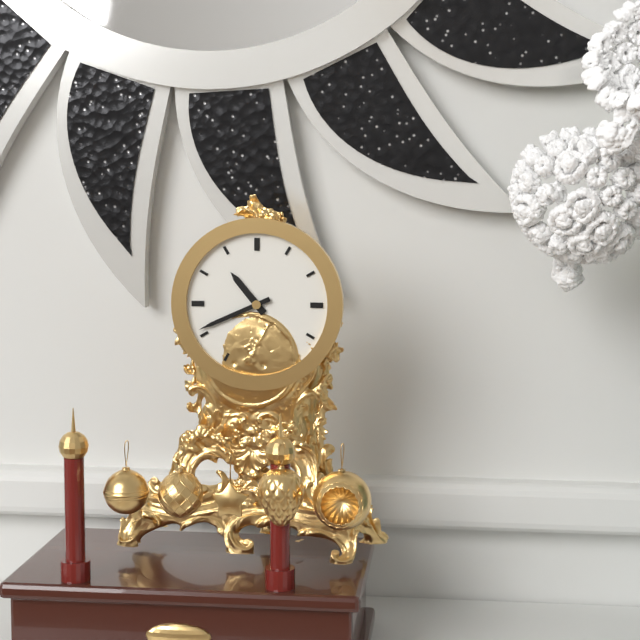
h=10 m=41
